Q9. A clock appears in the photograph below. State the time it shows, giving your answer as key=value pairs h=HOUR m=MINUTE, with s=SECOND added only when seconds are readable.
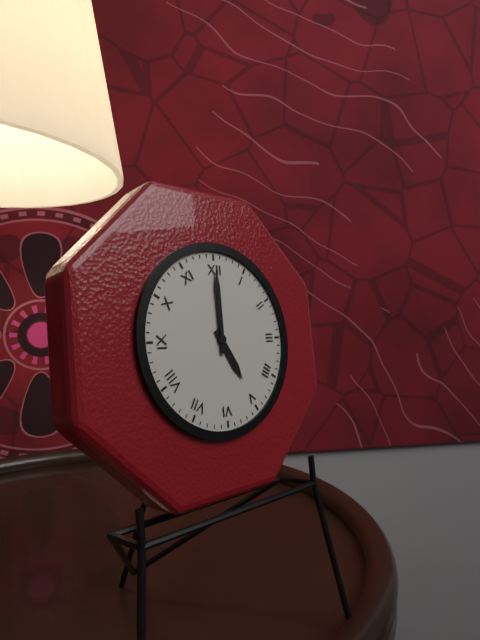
h=5 m=0
